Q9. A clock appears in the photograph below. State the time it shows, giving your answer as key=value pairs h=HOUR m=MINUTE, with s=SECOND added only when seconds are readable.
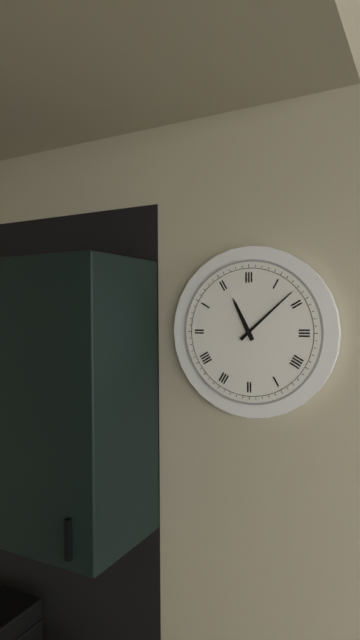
h=11 m=8
